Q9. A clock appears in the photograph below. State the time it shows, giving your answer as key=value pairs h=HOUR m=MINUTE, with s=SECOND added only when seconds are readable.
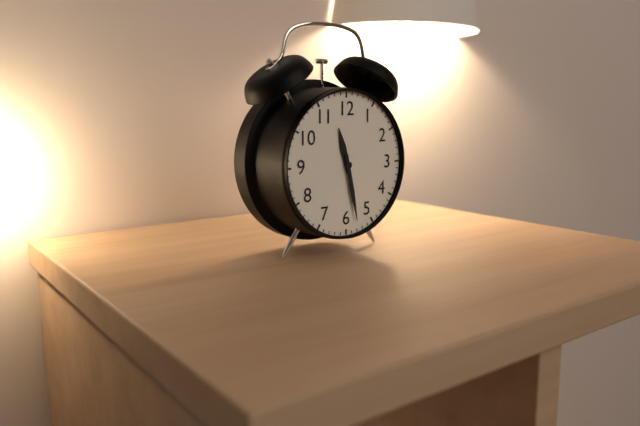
h=11 m=28
